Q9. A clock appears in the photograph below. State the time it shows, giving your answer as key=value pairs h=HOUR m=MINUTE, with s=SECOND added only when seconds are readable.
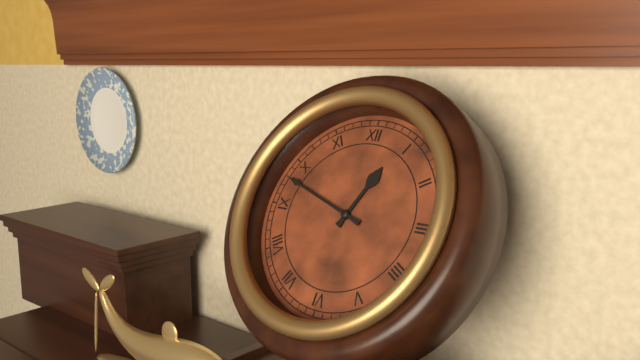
h=12 m=48
